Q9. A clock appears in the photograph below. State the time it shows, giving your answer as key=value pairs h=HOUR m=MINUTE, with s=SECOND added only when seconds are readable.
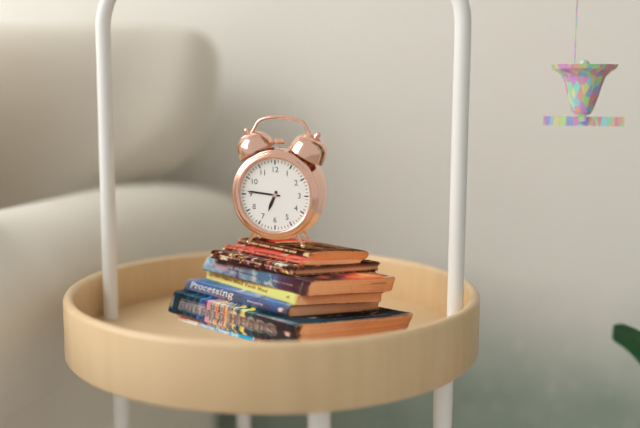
h=6 m=46
